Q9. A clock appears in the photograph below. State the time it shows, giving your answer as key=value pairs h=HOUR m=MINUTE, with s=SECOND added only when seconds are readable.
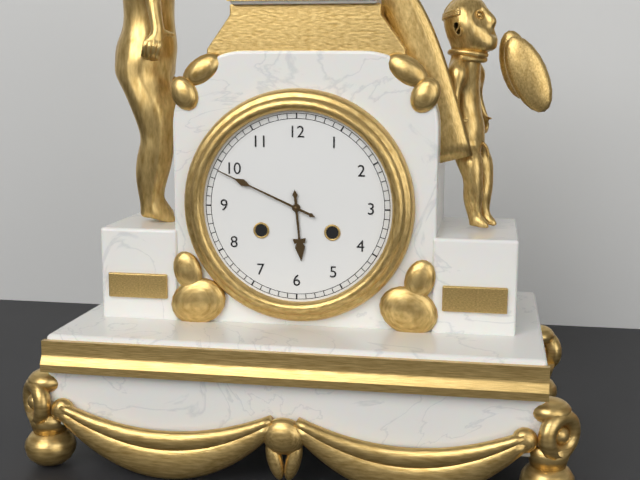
h=5 m=49
